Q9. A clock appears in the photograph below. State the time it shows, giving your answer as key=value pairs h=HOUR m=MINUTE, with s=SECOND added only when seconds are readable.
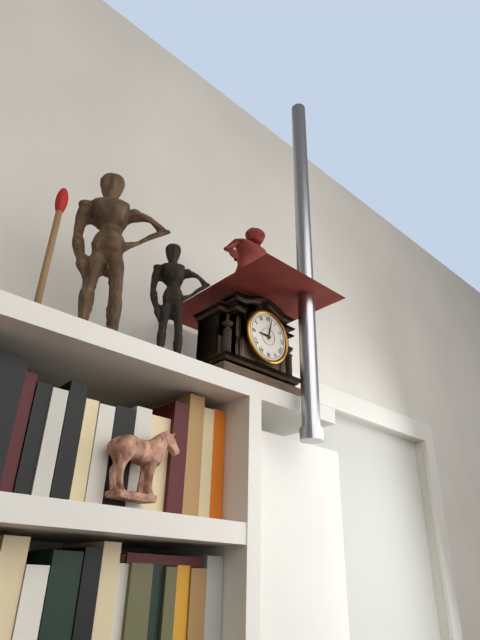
h=9 m=2
